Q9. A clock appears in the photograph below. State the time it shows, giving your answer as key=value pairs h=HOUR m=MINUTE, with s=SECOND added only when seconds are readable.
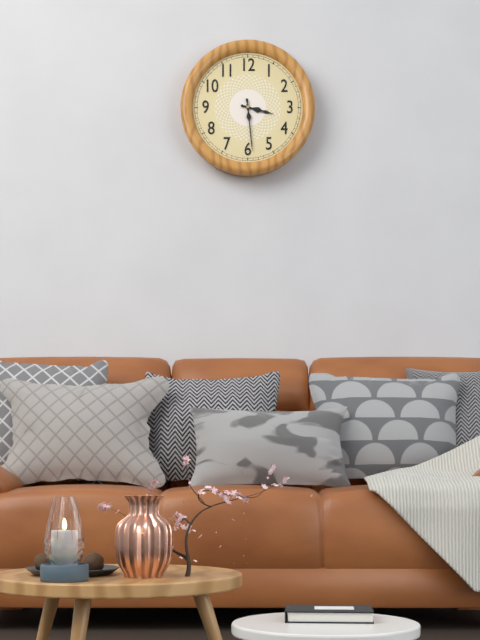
h=3 m=29
